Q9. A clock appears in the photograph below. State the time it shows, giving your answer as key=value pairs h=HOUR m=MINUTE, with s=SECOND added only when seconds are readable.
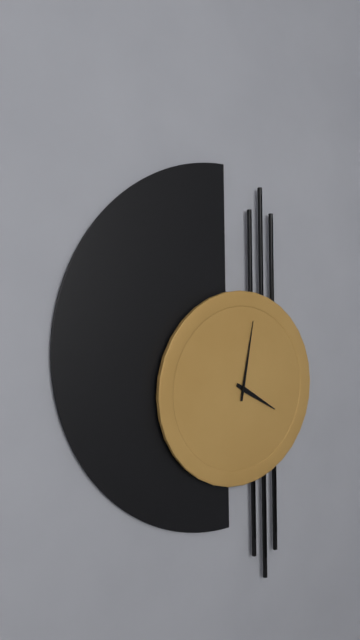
h=4 m=2
